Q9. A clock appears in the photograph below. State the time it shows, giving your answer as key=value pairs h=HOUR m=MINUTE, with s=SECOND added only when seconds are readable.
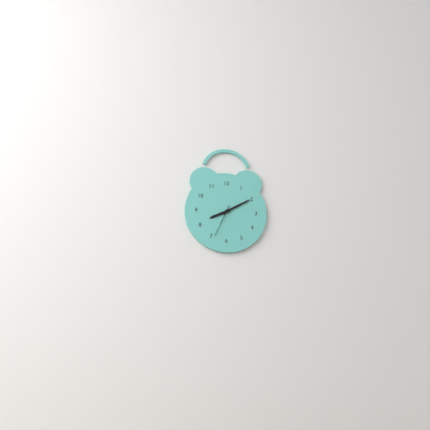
h=8 m=10
